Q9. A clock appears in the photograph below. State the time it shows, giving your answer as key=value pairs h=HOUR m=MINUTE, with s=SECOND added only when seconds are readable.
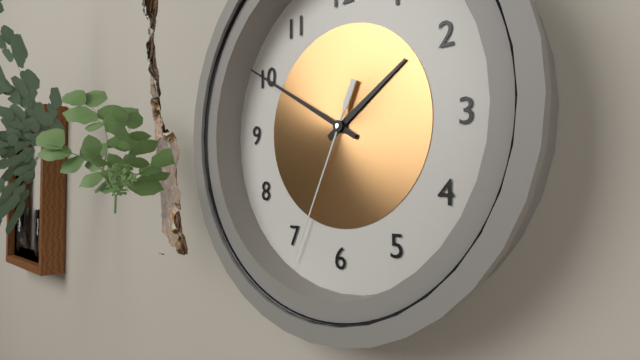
h=1 m=50 s=34
